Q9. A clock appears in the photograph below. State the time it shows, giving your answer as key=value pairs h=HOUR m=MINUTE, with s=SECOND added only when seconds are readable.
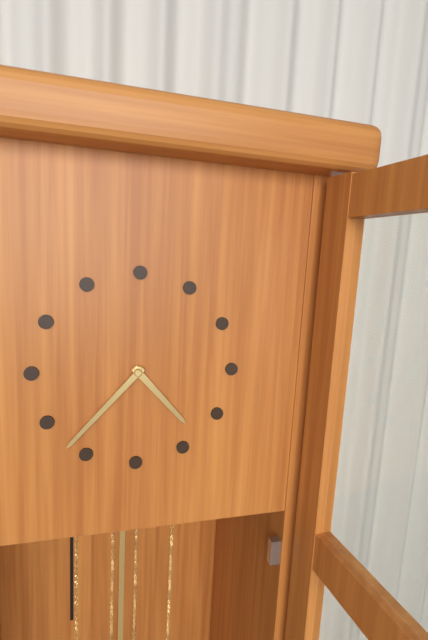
h=4 m=37
